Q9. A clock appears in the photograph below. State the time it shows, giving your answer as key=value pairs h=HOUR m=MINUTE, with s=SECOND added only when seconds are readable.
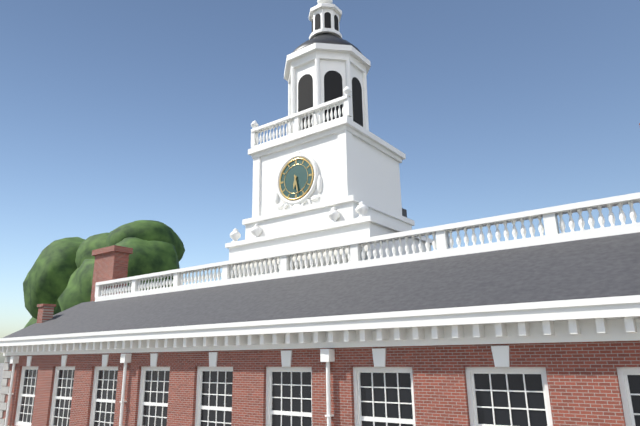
h=6 m=28
